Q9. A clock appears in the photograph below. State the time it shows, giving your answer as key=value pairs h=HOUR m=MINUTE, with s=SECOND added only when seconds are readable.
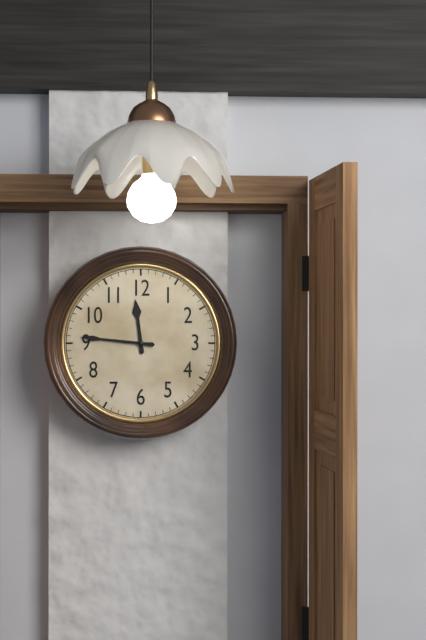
h=11 m=46
